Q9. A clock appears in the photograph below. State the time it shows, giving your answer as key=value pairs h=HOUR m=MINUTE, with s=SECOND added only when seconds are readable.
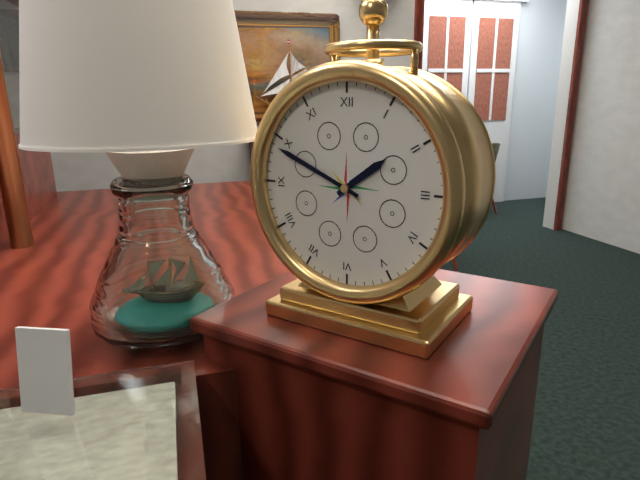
h=1 m=49
